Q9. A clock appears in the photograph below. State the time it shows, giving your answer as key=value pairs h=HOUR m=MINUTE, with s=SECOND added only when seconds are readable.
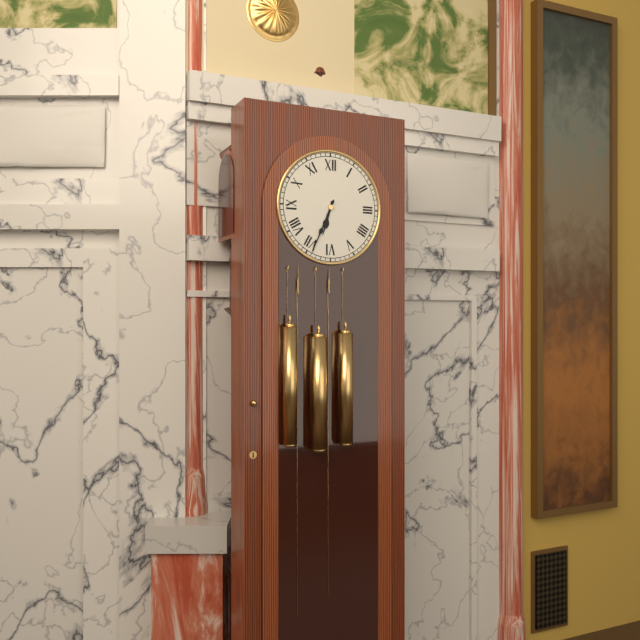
h=6 m=34
